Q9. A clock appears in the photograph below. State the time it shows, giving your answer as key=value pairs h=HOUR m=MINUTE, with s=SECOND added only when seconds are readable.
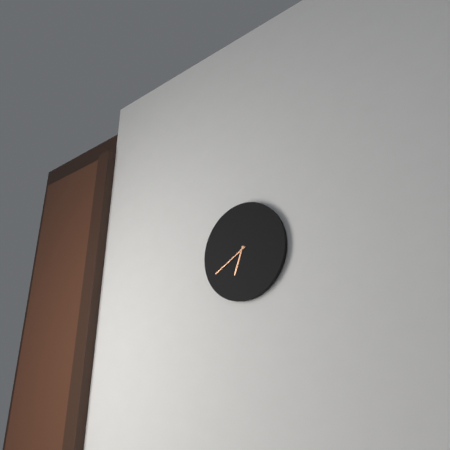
h=6 m=40
